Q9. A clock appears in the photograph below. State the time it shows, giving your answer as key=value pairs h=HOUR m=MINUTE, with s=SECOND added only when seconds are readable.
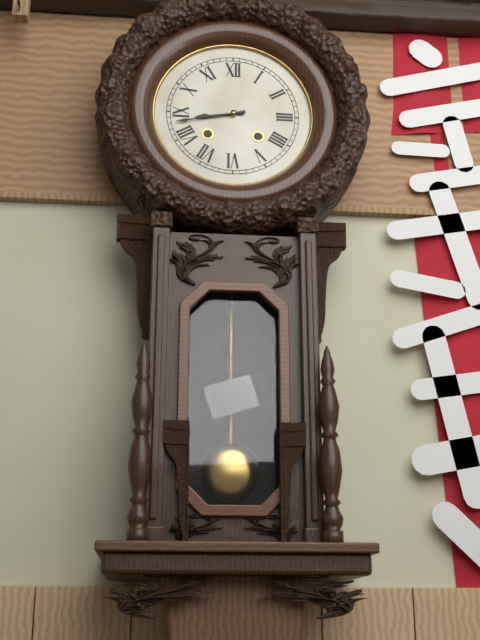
h=8 m=43
